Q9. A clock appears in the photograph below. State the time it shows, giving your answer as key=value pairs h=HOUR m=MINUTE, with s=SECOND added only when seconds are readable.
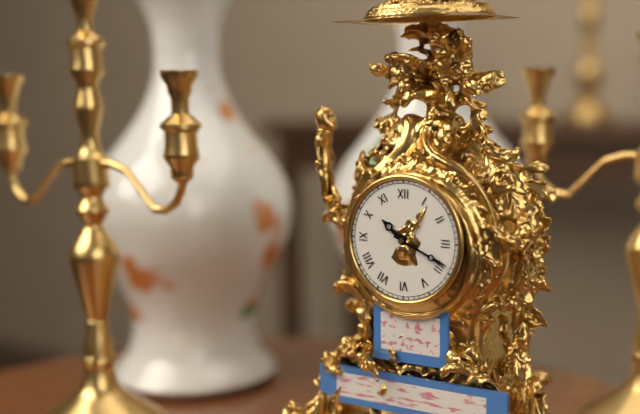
h=10 m=19
